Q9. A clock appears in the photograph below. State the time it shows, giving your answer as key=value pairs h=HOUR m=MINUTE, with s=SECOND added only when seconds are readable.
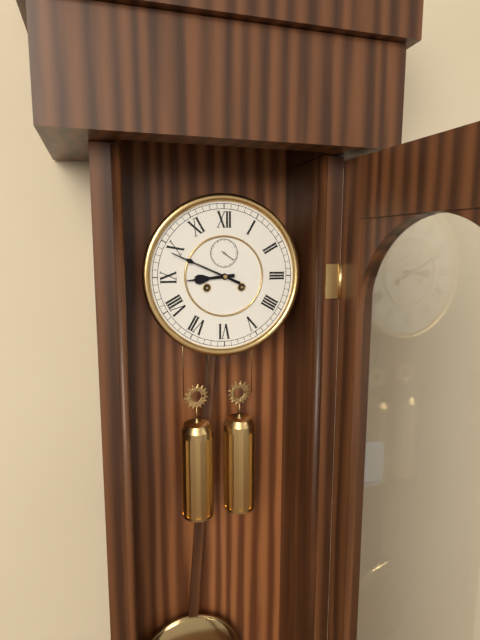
h=8 m=49
